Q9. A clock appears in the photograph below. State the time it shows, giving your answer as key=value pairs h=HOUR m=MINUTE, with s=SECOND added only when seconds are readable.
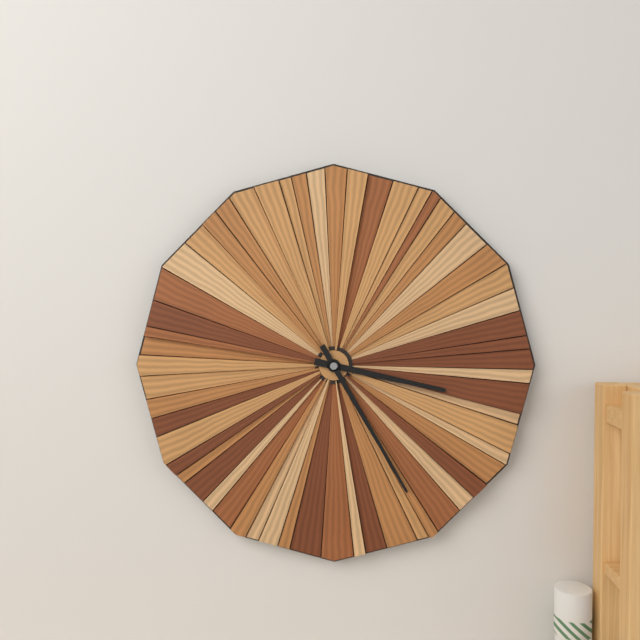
h=3 m=25
